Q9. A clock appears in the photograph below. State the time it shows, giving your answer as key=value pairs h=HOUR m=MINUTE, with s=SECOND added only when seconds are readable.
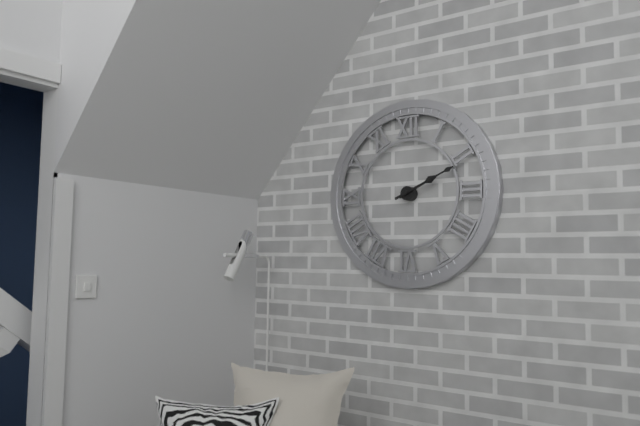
h=2 m=11
